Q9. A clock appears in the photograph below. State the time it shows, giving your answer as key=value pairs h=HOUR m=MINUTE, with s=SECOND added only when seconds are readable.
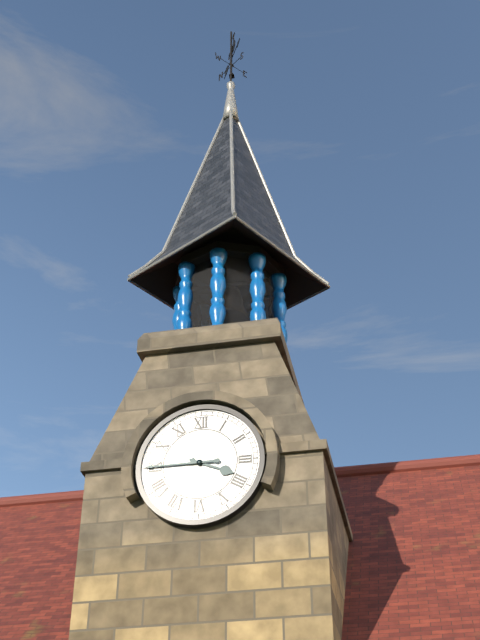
h=3 m=45
